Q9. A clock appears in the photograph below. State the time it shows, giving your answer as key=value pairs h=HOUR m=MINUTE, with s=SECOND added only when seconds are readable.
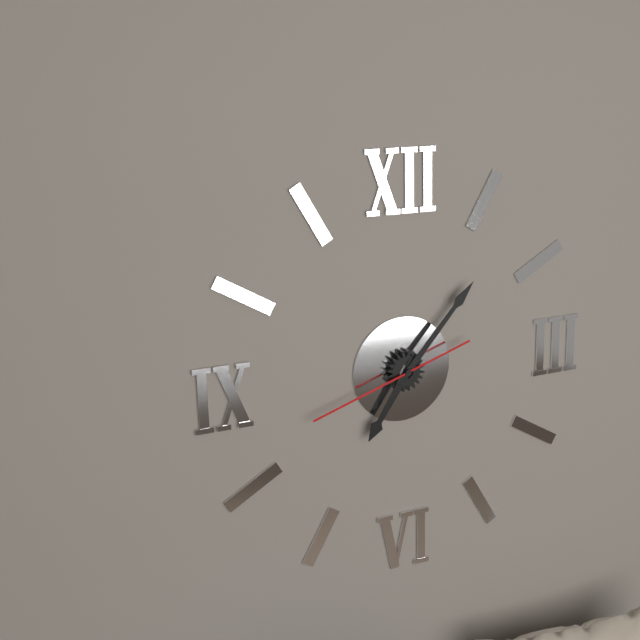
h=7 m=7 s=42
